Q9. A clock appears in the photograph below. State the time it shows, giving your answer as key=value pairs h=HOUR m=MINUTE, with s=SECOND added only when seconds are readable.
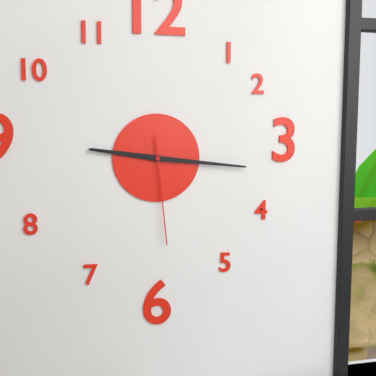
h=9 m=16 s=29
